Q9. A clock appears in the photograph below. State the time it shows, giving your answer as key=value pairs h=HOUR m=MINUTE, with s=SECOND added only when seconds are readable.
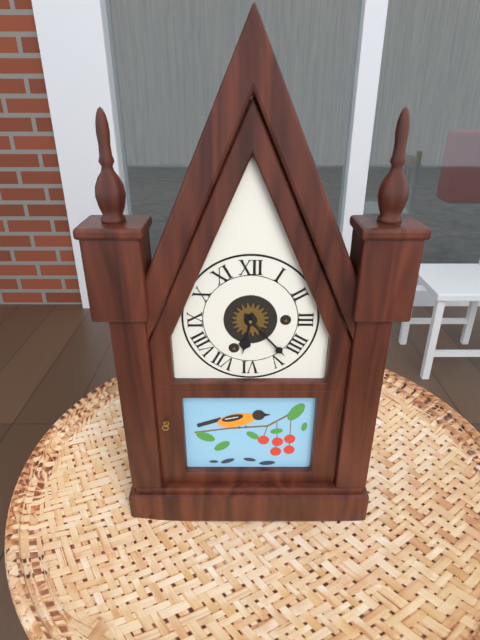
h=6 m=23
